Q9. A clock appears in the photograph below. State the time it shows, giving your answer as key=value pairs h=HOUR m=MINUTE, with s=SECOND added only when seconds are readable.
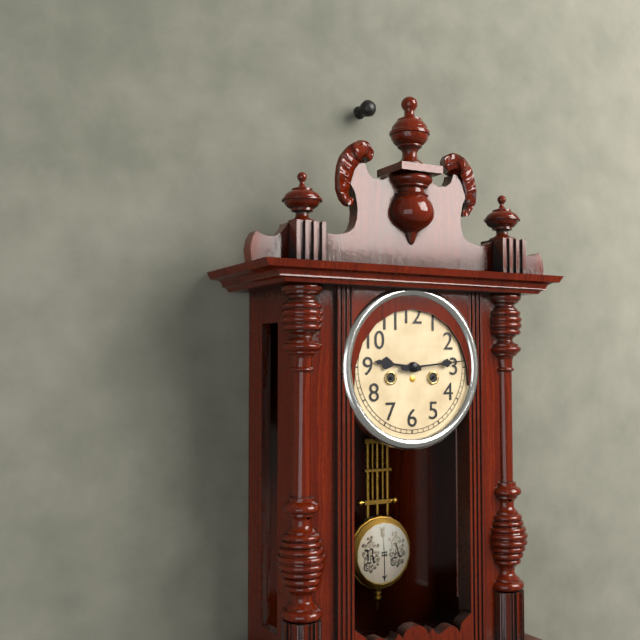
h=9 m=14
